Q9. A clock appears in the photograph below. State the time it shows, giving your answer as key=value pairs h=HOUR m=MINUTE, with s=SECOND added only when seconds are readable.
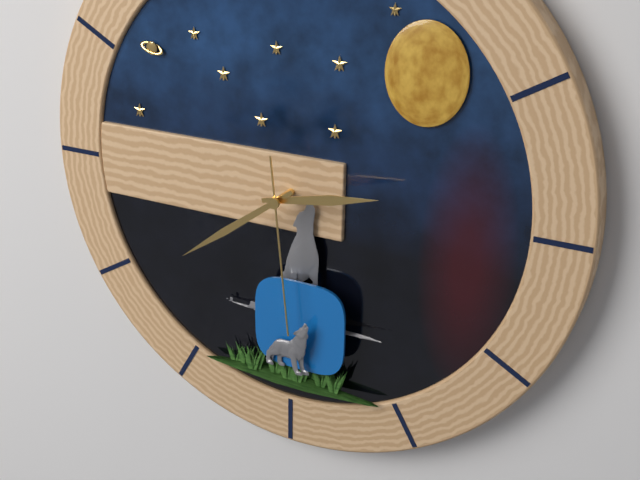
h=2 m=39 s=29
